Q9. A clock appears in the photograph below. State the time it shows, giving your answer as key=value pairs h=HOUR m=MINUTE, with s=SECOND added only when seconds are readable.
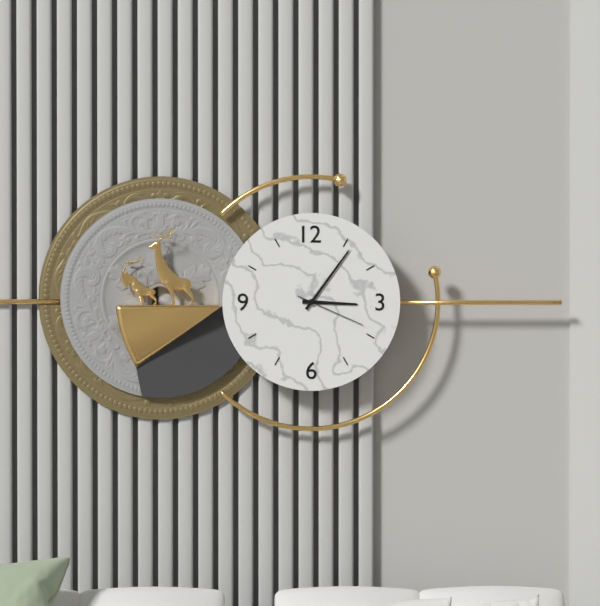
h=3 m=6 s=19
